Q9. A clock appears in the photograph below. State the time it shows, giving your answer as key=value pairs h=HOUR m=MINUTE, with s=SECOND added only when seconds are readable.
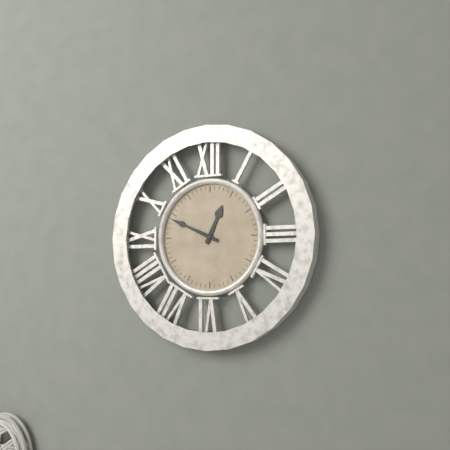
h=12 m=49
